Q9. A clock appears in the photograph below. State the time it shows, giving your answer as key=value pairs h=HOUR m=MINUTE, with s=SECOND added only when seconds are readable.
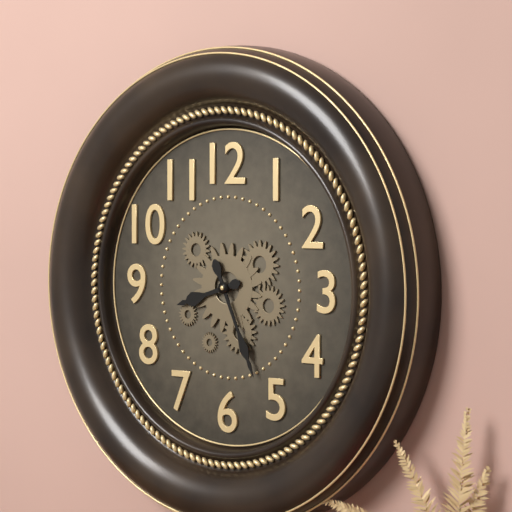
h=8 m=26
